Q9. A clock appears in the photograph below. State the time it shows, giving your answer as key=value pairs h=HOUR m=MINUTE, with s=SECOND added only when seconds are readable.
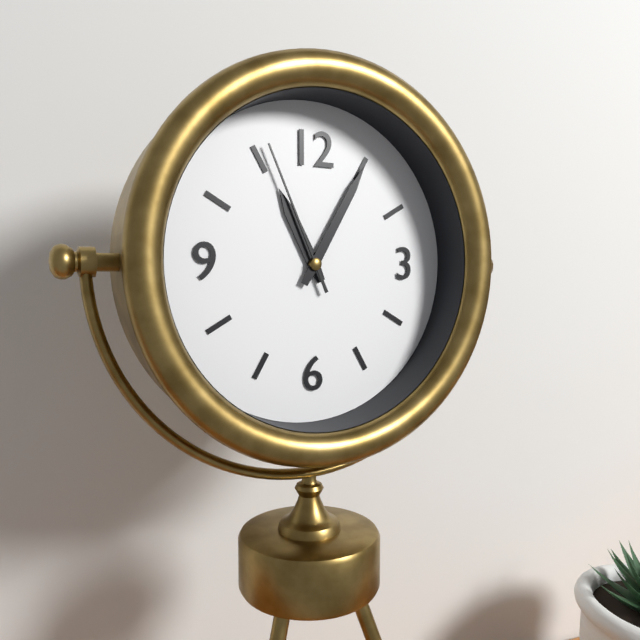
h=11 m=5 s=56
